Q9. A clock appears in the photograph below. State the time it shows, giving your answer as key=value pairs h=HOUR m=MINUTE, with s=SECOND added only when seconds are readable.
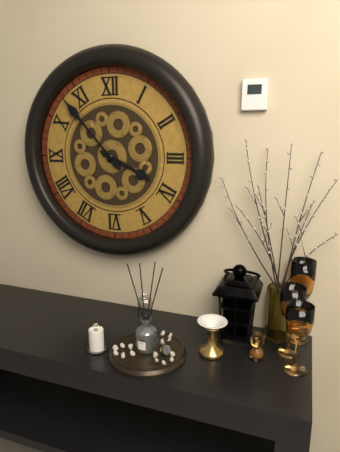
h=3 m=53
